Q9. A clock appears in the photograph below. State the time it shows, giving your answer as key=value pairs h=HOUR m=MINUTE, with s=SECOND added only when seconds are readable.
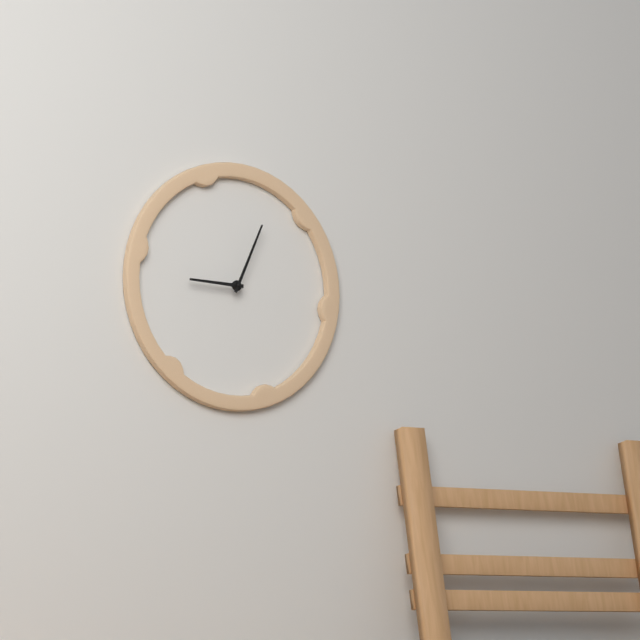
h=9 m=4
